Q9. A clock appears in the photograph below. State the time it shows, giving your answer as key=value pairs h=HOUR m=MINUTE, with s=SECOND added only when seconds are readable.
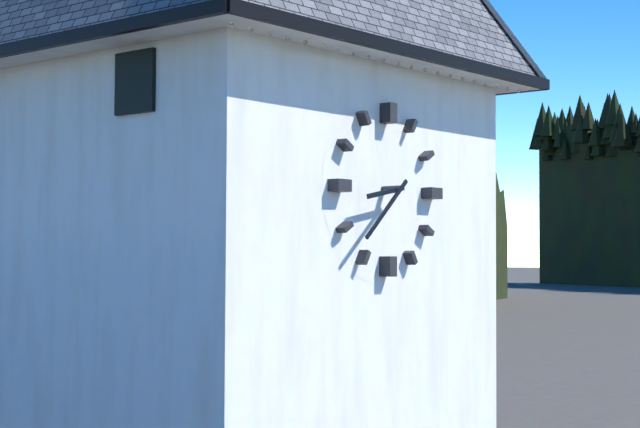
h=8 m=38
